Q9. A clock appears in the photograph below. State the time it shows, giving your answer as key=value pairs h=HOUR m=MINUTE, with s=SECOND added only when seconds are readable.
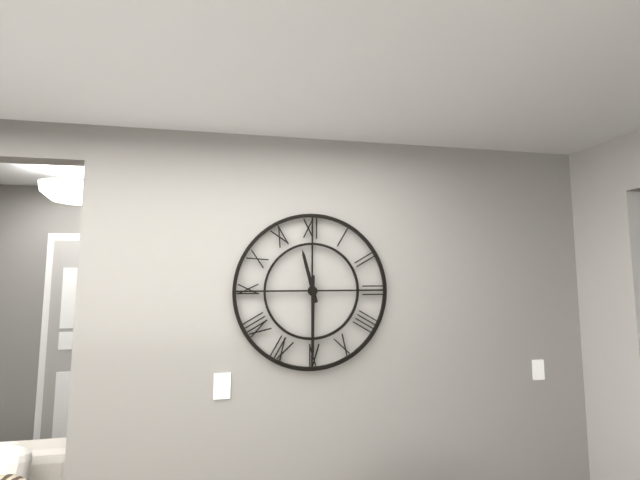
h=11 m=30
